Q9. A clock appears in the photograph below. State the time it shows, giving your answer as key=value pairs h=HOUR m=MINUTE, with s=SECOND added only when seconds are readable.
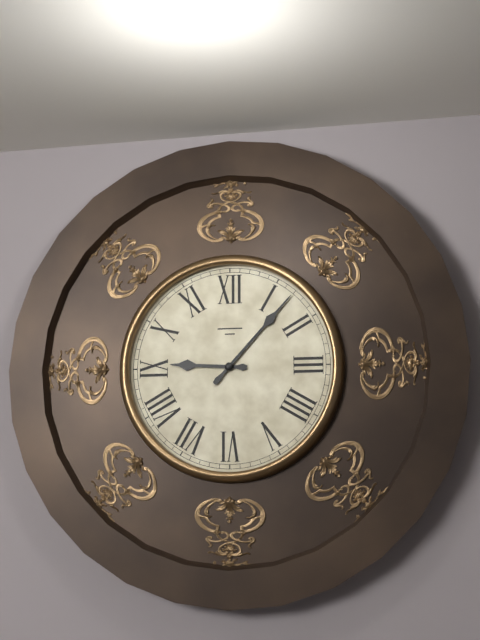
h=9 m=7
